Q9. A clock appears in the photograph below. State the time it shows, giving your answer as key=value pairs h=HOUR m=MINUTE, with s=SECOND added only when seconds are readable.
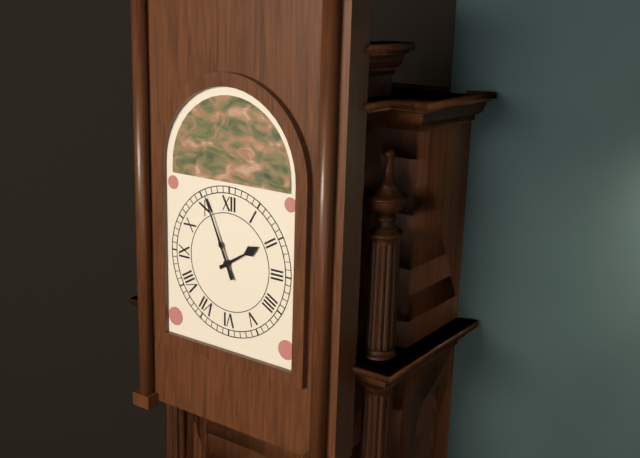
h=1 m=56
